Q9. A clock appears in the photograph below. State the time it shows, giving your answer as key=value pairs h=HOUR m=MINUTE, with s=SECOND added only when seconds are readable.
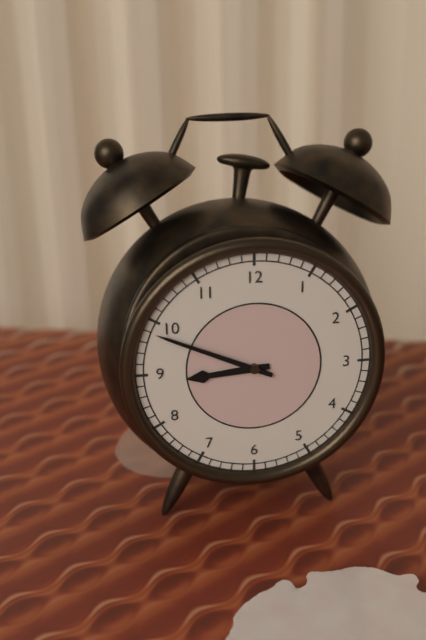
h=8 m=49
